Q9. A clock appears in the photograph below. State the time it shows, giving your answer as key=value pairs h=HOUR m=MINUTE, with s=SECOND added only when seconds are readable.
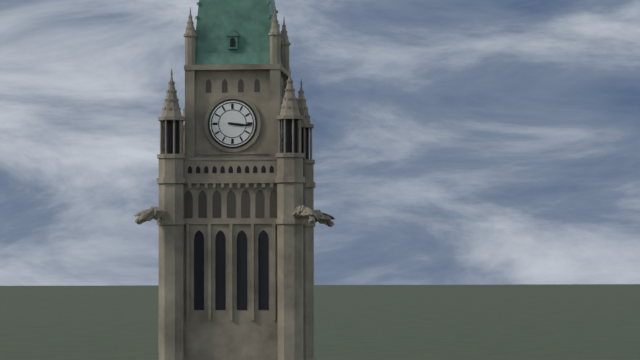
h=3 m=16
